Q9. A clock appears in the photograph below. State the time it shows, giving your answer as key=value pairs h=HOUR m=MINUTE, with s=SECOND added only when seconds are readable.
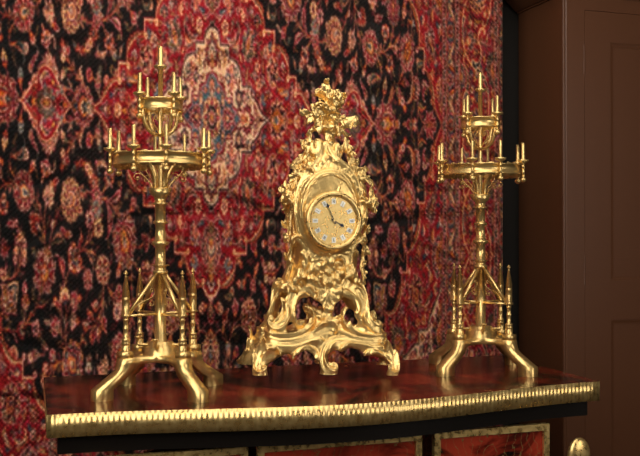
h=3 m=56
